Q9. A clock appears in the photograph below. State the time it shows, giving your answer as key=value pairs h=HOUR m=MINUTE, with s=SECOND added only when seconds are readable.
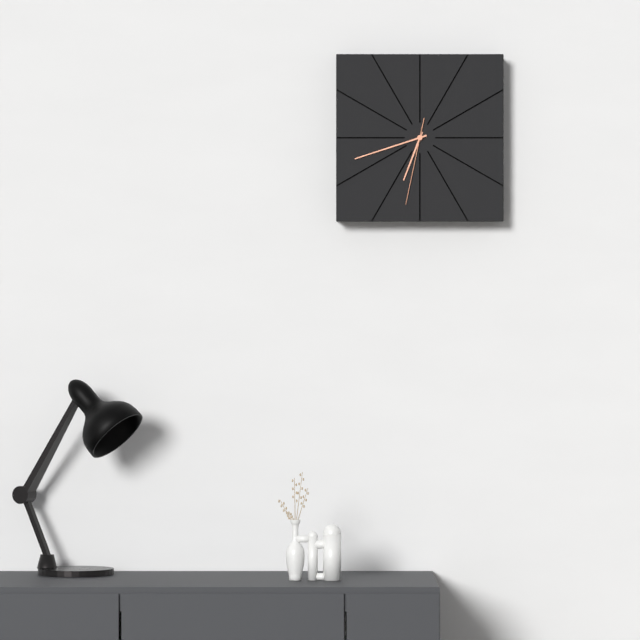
h=6 m=42 s=32
